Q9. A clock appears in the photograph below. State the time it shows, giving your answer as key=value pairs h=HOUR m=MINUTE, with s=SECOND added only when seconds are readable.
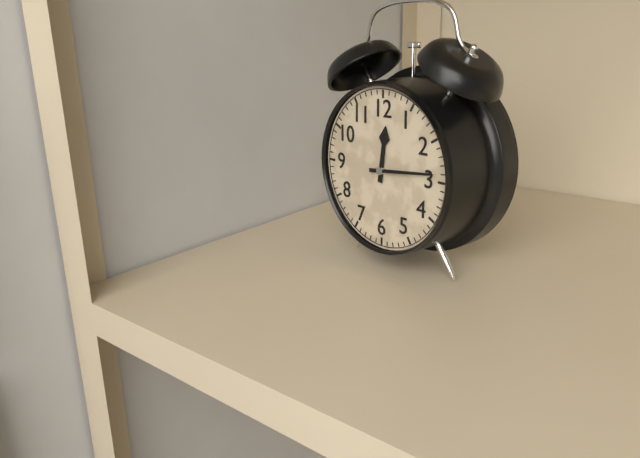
h=12 m=14
